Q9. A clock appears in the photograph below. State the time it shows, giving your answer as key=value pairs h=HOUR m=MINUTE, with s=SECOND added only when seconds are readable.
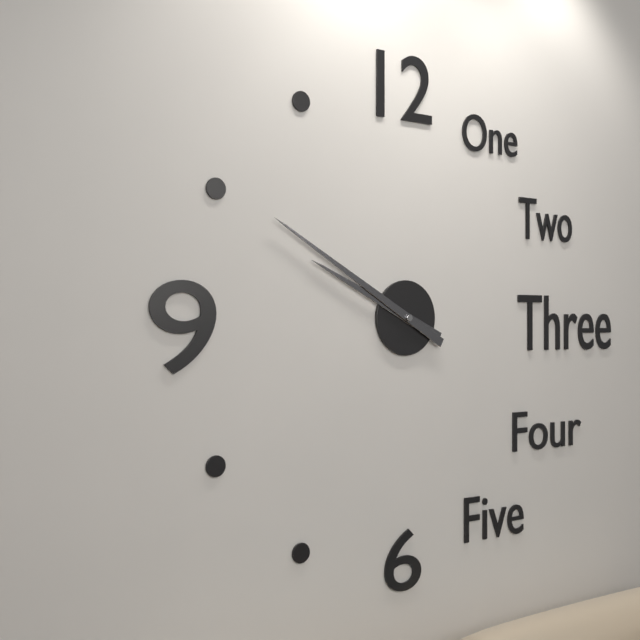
h=9 m=50
